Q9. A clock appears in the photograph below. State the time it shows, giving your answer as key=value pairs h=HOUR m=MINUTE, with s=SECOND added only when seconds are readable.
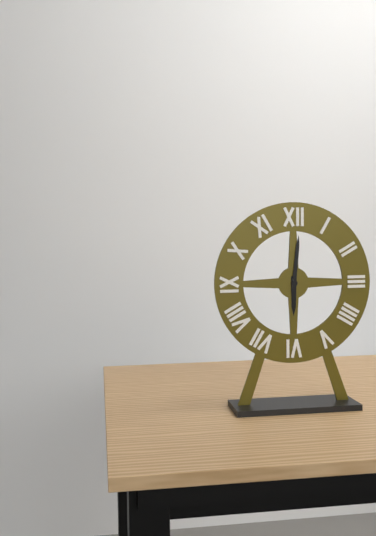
h=6 m=1
